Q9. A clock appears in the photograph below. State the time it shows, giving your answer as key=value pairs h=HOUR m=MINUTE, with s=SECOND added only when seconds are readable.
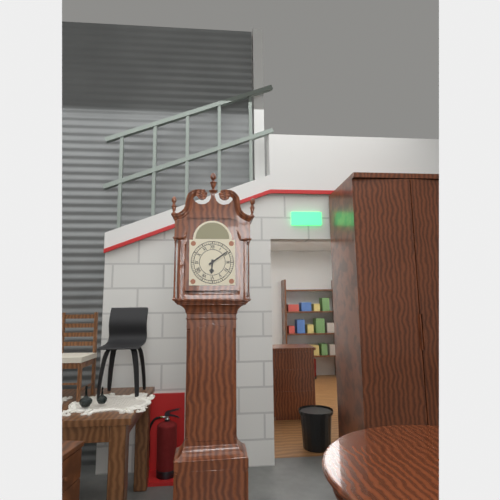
h=6 m=9
